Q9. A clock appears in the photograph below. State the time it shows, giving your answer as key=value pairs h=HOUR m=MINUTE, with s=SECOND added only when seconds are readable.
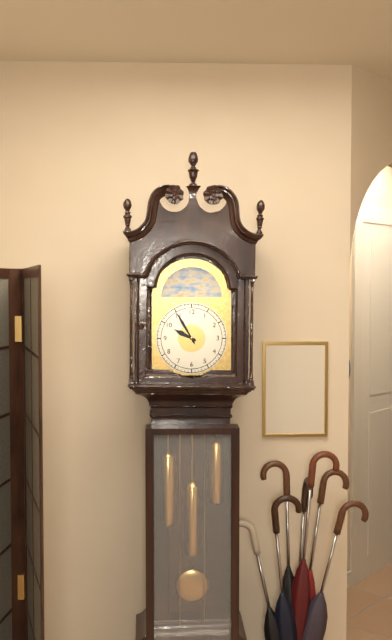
h=9 m=55
